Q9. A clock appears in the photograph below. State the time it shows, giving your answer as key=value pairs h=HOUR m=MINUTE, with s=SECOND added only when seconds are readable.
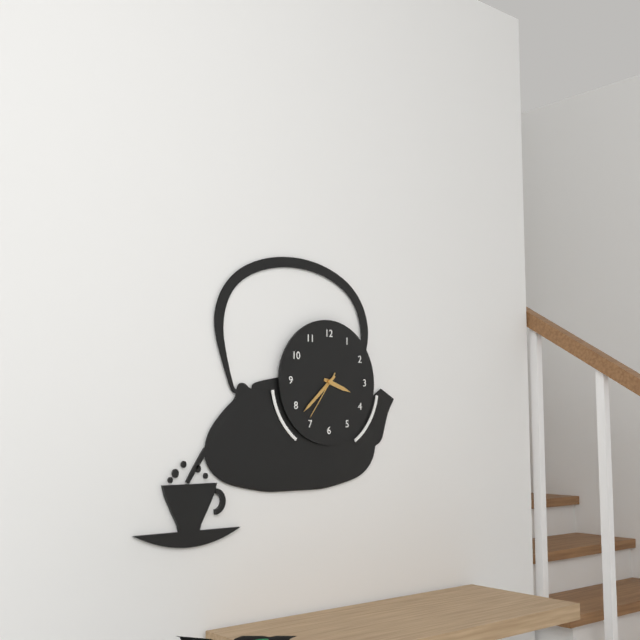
h=3 m=38 s=36
